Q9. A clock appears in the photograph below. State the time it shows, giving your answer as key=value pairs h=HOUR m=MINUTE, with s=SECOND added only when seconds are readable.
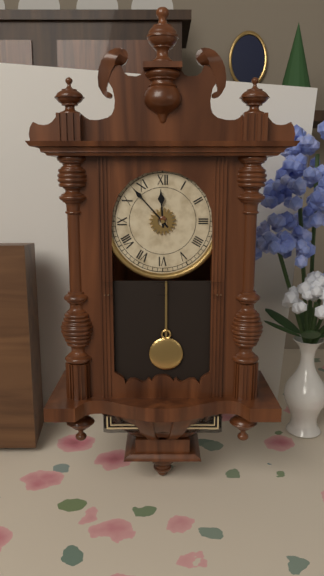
h=11 m=53
